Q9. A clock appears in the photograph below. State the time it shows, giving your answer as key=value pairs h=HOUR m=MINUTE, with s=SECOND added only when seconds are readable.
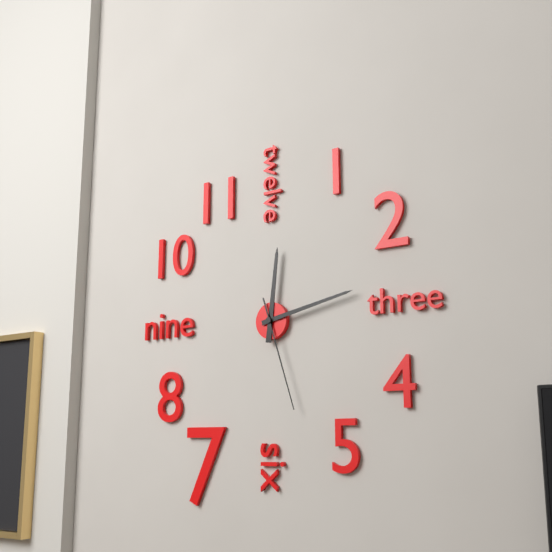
h=12 m=13 s=27
